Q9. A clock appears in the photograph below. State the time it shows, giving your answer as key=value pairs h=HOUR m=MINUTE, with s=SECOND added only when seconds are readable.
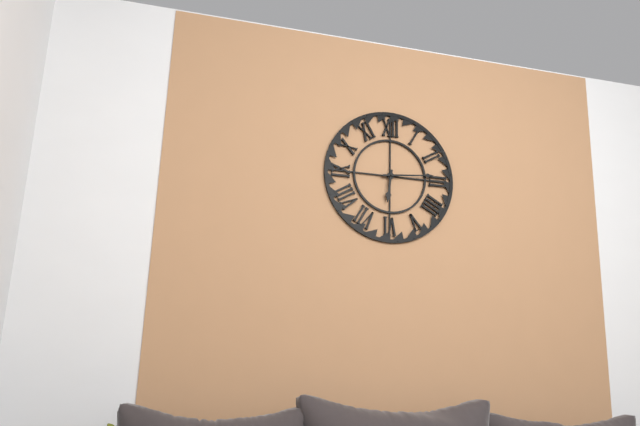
h=6 m=14
